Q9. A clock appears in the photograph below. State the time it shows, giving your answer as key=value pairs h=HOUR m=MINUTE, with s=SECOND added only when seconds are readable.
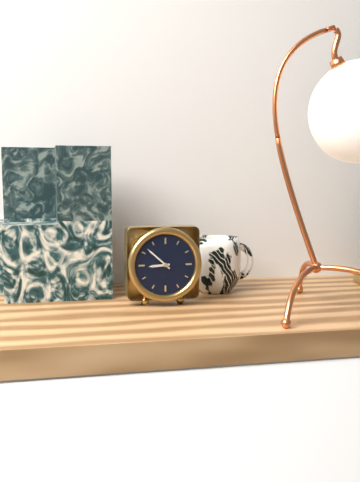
h=8 m=52
